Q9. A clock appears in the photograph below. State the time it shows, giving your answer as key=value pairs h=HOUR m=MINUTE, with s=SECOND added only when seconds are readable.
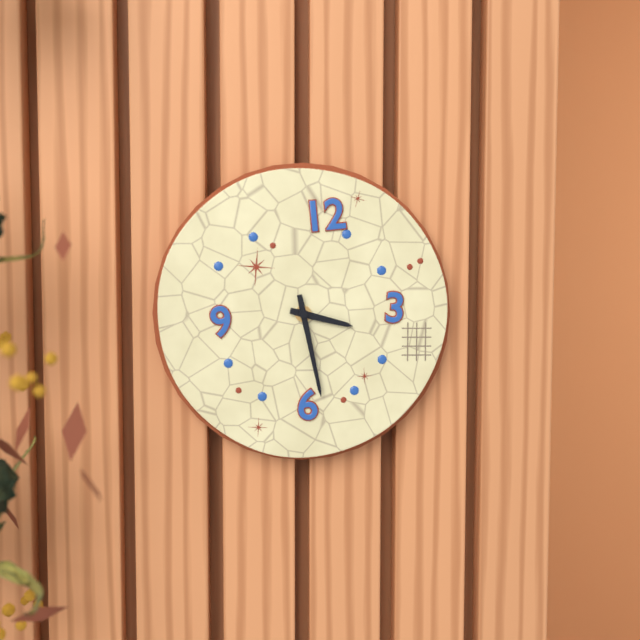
h=3 m=28
